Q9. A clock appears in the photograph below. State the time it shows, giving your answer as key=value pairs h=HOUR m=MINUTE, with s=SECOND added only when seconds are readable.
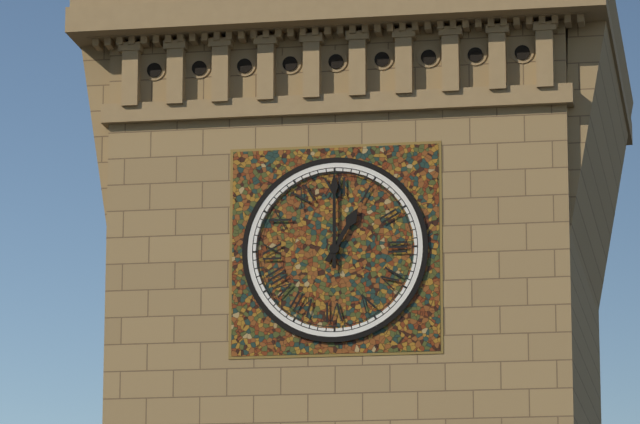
h=1 m=0
